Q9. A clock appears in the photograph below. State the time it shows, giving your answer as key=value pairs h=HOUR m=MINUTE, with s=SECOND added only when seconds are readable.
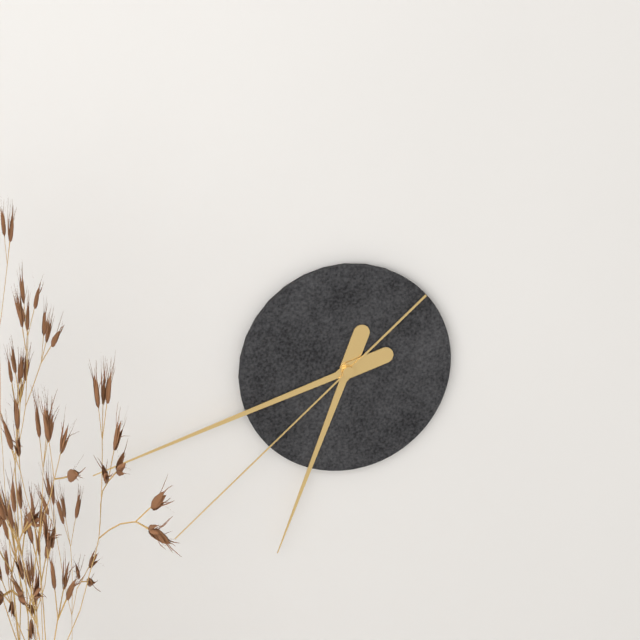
h=6 m=42 s=38
